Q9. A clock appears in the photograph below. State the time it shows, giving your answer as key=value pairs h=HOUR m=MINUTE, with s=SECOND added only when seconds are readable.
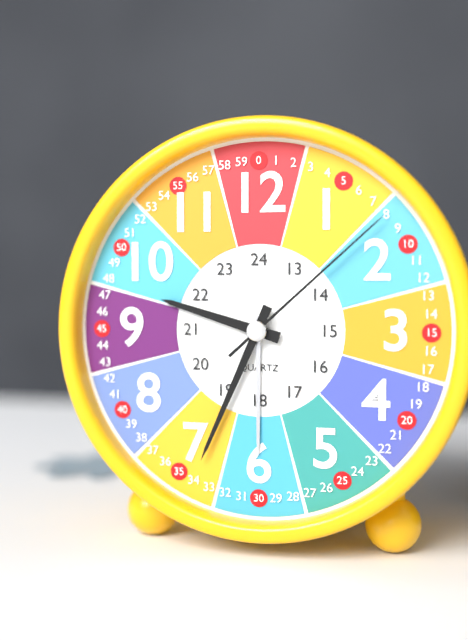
h=9 m=34 s=8
